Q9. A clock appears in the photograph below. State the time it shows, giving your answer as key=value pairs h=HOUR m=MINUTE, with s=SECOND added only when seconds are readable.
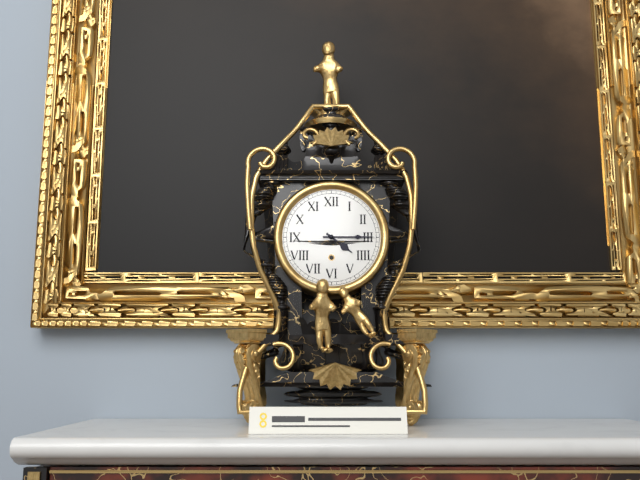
h=4 m=15
